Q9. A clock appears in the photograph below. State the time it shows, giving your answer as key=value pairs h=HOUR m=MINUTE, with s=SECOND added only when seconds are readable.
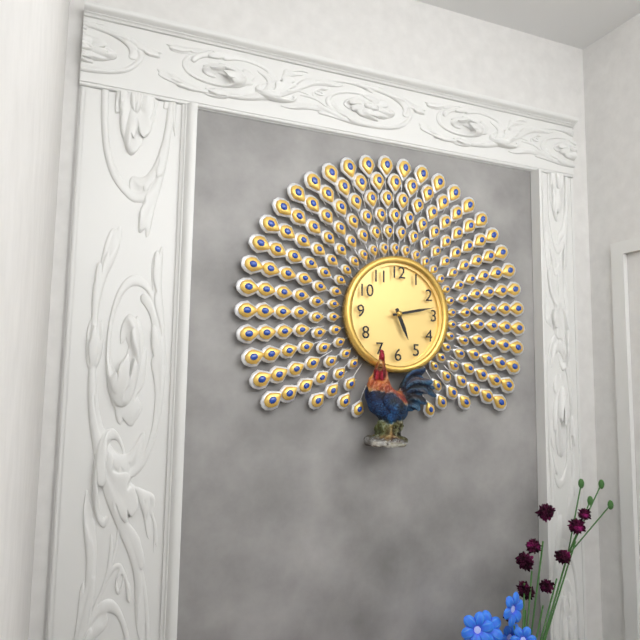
h=5 m=13
